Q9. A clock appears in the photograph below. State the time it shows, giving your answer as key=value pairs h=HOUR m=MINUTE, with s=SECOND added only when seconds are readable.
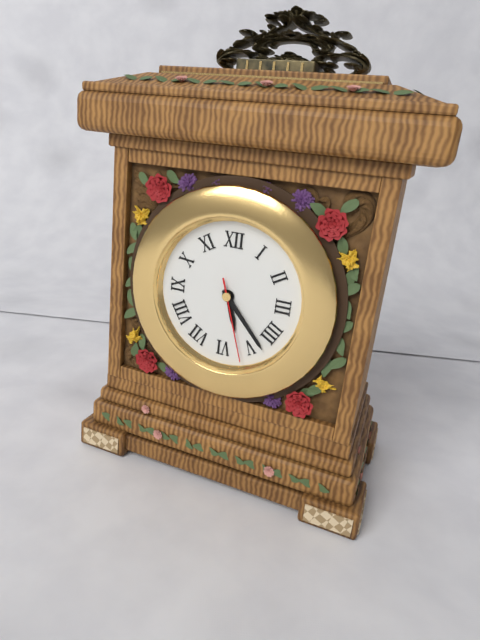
h=5 m=23 s=27
